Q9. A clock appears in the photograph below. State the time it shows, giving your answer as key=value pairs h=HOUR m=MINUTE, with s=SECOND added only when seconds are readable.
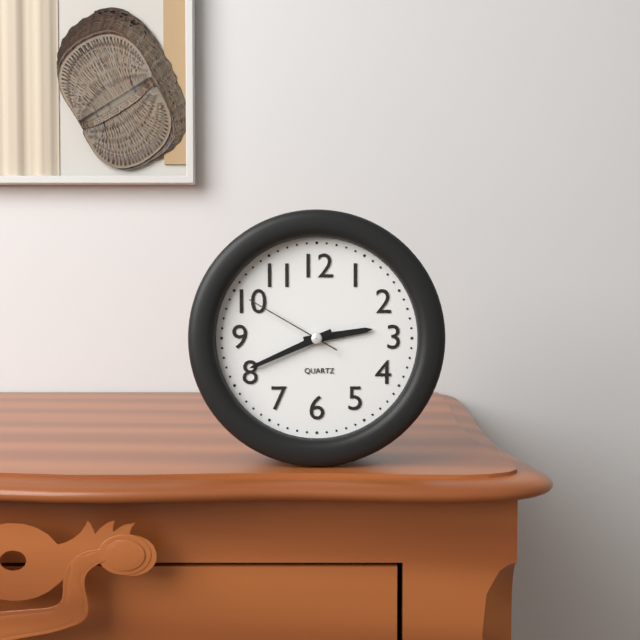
h=2 m=41 s=50
